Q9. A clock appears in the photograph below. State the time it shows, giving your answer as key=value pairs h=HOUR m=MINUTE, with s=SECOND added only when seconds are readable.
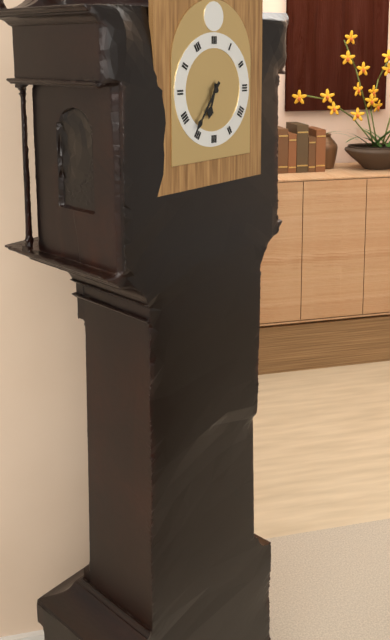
h=6 m=36
